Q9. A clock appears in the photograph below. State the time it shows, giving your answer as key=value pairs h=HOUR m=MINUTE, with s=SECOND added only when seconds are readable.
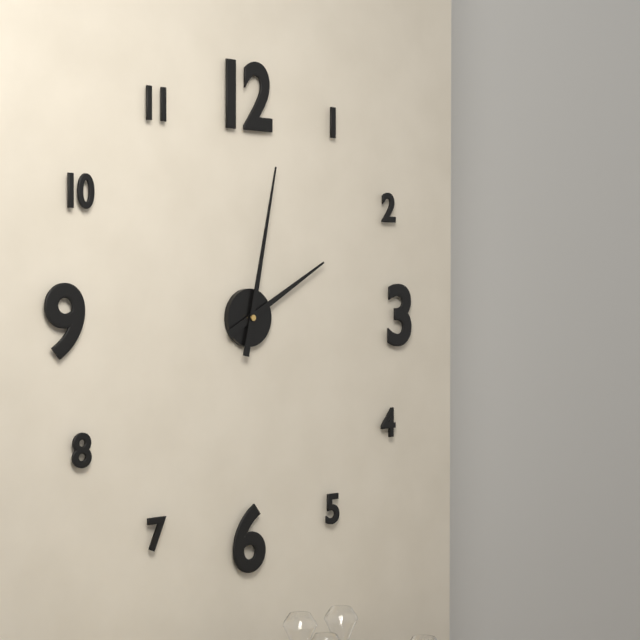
h=2 m=2
